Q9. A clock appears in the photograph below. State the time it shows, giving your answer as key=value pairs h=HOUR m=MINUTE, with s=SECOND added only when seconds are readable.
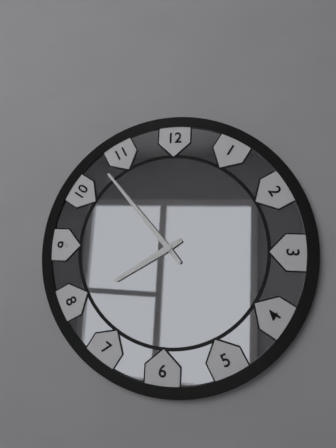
h=7 m=53
